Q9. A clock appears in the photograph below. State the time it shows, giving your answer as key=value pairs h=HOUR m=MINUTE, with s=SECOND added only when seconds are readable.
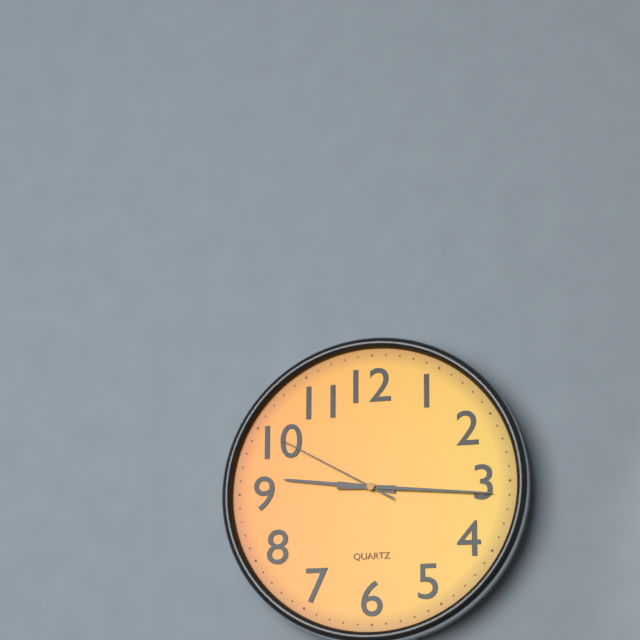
h=9 m=16 s=50
